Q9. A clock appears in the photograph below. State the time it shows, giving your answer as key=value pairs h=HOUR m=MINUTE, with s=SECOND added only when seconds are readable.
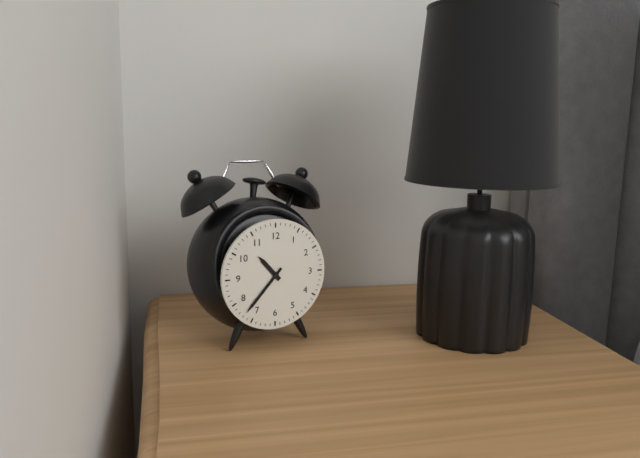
h=10 m=37
